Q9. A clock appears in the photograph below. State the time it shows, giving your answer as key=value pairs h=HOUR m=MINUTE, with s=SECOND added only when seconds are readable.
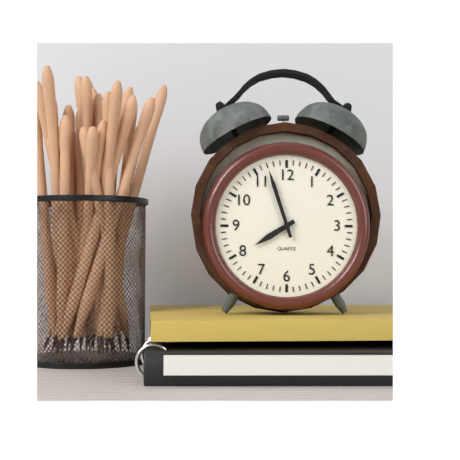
h=7 m=57
